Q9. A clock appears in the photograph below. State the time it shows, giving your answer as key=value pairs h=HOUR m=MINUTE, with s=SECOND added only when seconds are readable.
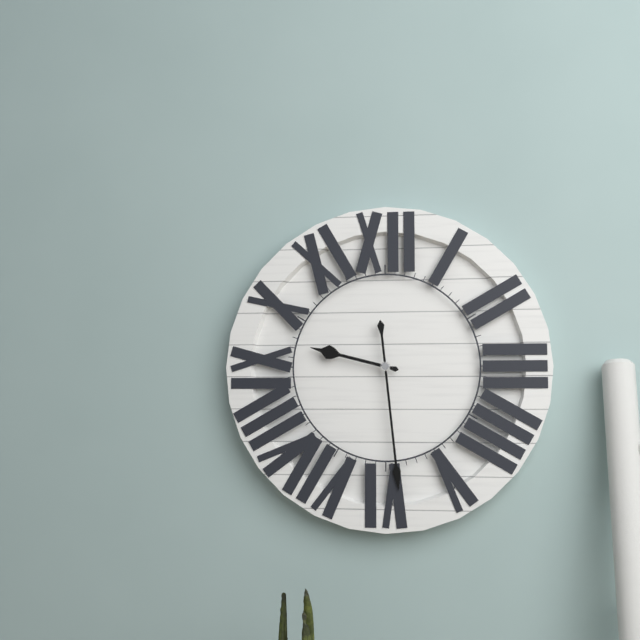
h=9 m=29
